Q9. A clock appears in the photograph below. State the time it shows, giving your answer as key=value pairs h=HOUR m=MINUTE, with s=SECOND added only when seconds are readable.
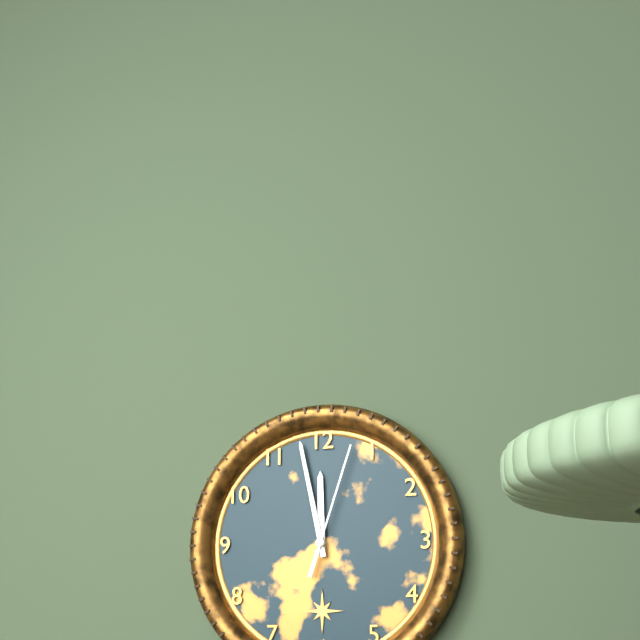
h=11 m=58 s=3
